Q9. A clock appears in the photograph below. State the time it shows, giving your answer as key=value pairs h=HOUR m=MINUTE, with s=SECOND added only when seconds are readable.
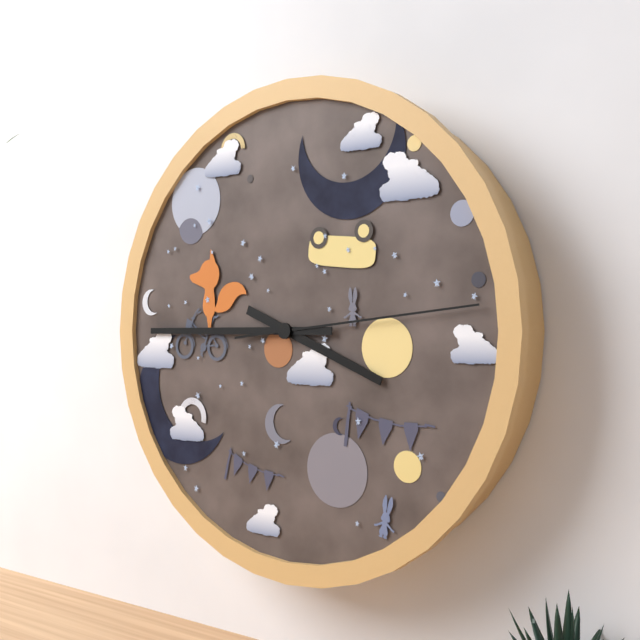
h=3 m=45 s=14
